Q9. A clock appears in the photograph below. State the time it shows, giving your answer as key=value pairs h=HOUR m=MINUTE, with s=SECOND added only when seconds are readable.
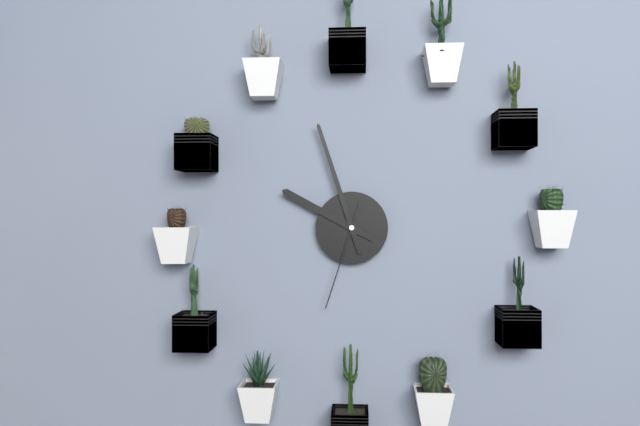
h=9 m=57 s=33
